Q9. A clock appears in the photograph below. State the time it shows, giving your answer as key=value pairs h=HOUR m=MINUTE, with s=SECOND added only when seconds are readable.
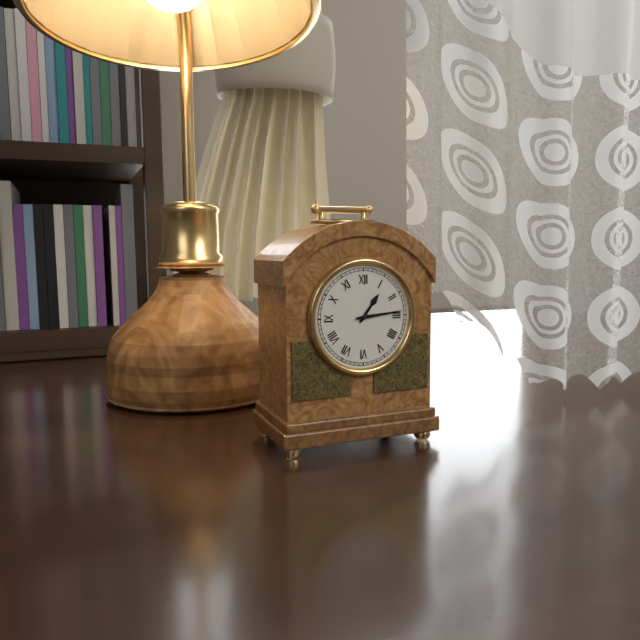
h=1 m=14
